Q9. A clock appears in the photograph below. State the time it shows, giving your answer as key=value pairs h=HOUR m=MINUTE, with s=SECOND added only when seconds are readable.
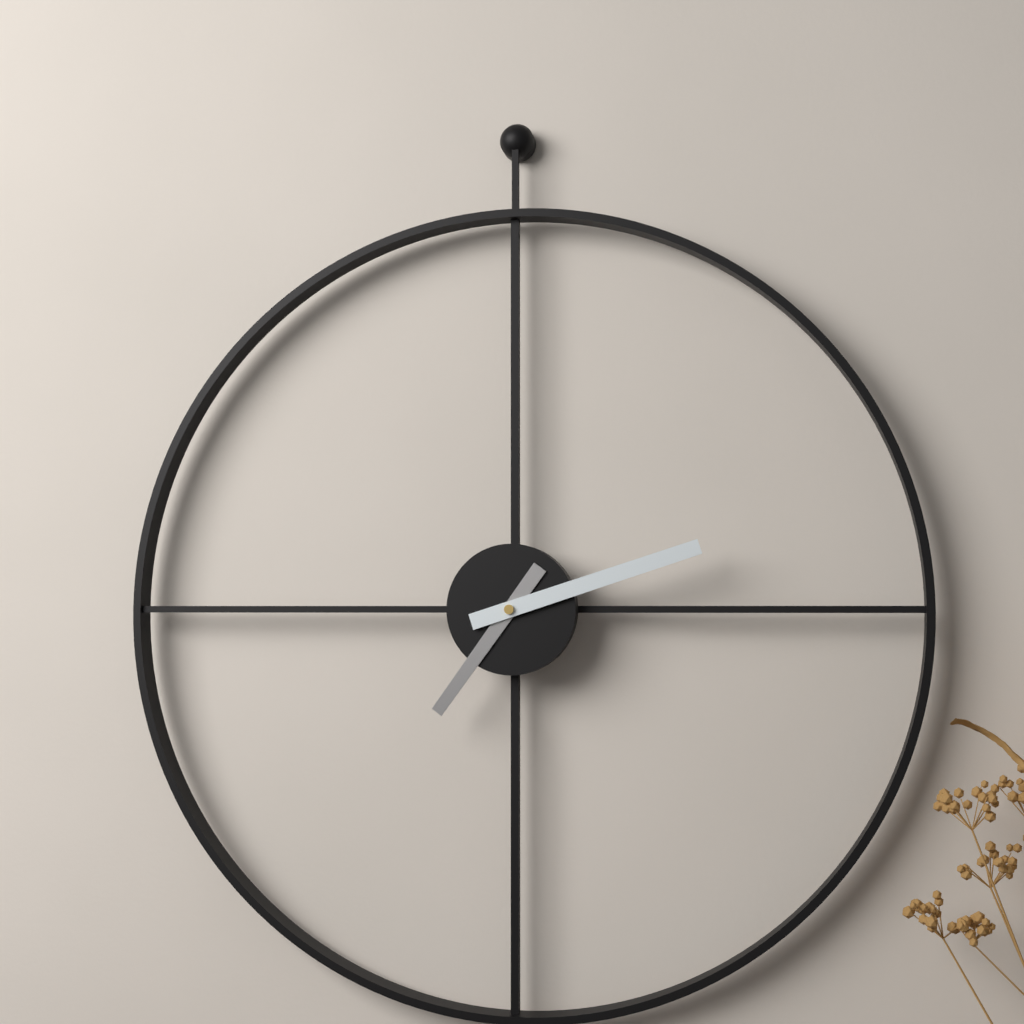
h=7 m=12
